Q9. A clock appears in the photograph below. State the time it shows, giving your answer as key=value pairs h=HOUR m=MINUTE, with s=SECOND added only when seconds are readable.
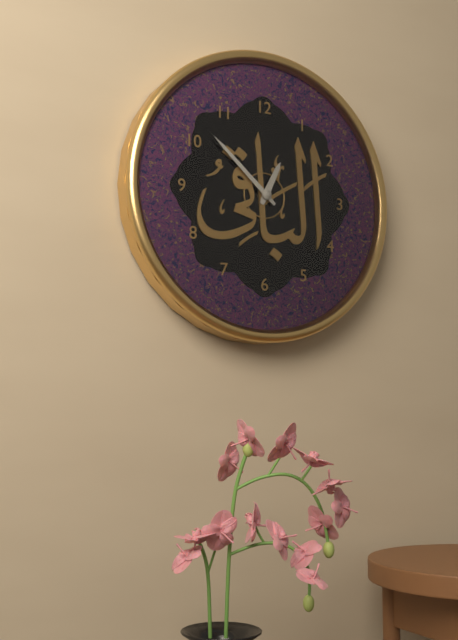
h=12 m=52
